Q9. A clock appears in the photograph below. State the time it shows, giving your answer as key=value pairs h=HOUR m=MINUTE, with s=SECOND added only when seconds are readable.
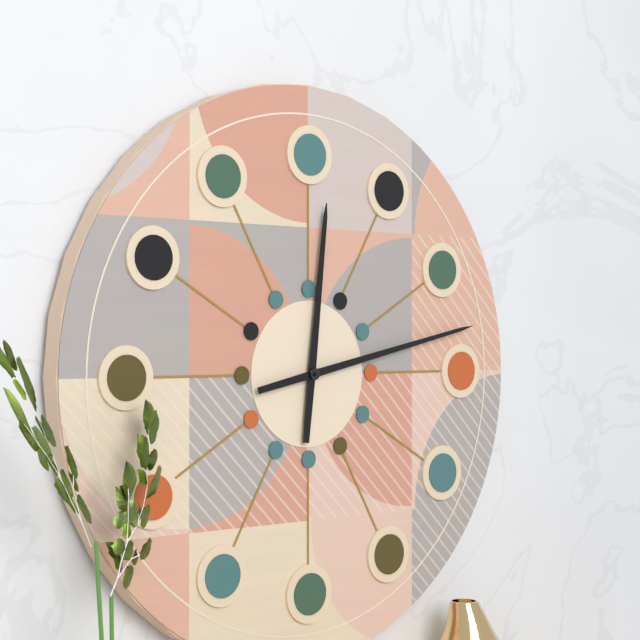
h=12 m=13
